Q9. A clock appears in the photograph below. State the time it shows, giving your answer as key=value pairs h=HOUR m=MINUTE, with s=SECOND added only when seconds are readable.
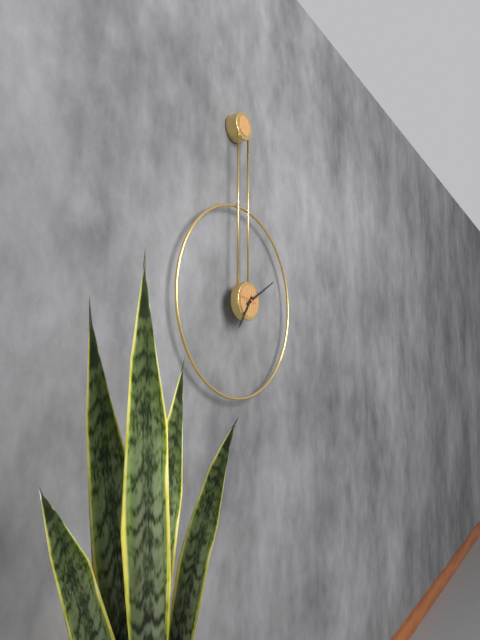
h=7 m=10
